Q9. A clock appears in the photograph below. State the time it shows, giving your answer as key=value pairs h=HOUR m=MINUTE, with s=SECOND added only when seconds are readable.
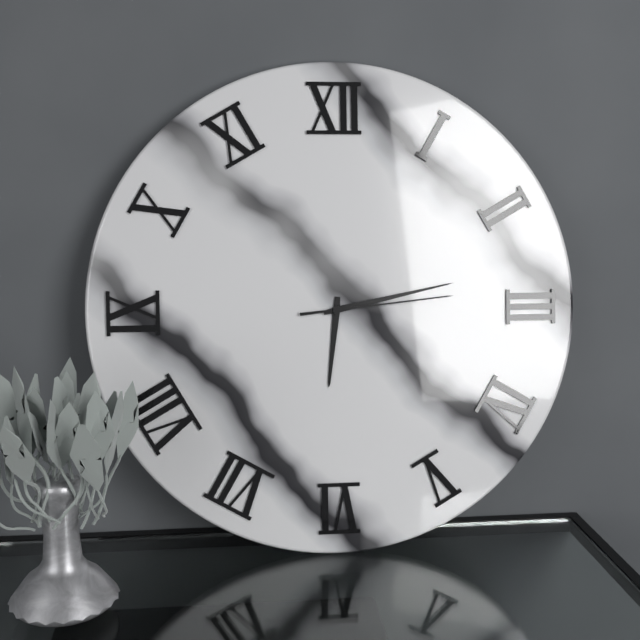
h=6 m=13 s=14
